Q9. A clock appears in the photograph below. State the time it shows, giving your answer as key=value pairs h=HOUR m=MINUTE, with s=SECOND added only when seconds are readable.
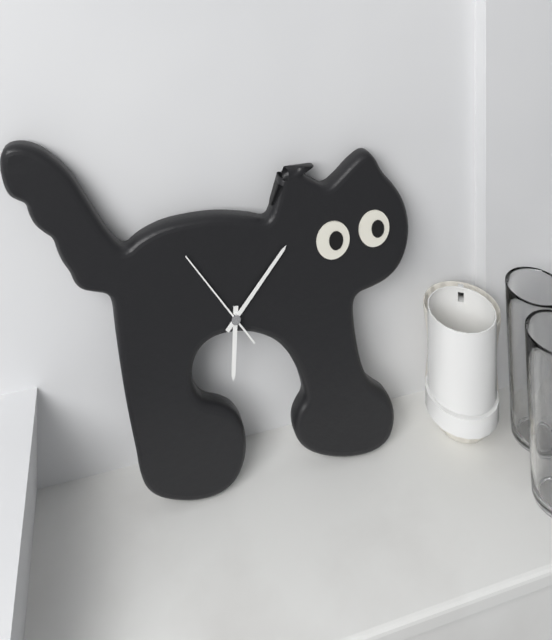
h=6 m=7 s=54
